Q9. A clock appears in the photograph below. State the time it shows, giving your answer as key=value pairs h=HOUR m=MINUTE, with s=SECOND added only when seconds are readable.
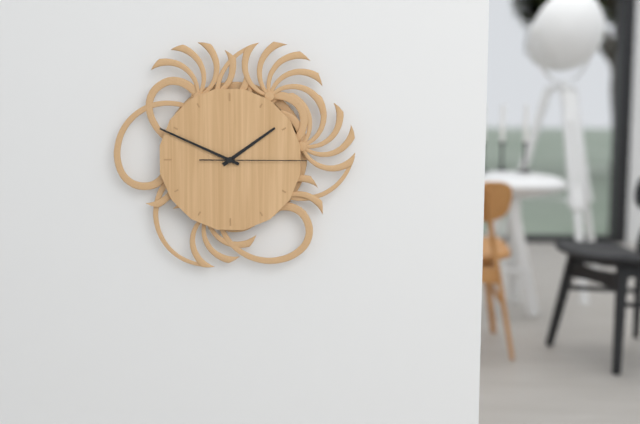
h=1 m=49 s=15
